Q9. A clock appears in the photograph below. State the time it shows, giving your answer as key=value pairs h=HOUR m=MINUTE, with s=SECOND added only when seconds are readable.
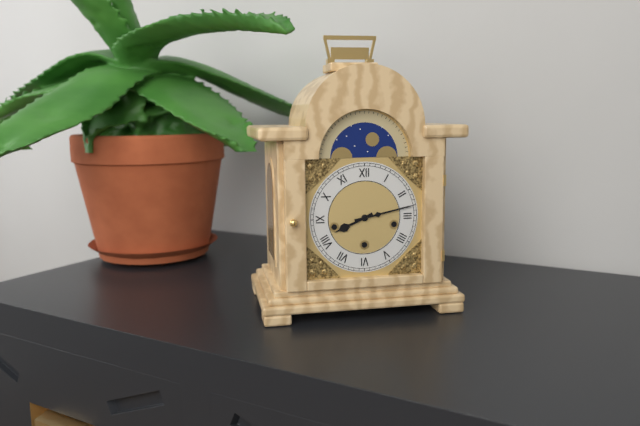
h=8 m=13
